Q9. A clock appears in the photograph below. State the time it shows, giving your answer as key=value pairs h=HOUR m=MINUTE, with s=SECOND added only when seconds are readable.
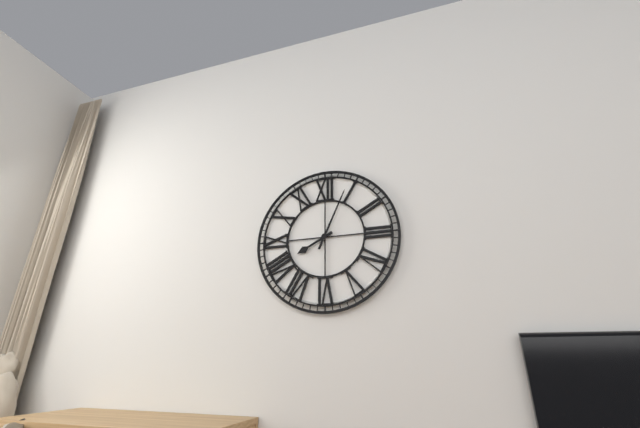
h=8 m=4
